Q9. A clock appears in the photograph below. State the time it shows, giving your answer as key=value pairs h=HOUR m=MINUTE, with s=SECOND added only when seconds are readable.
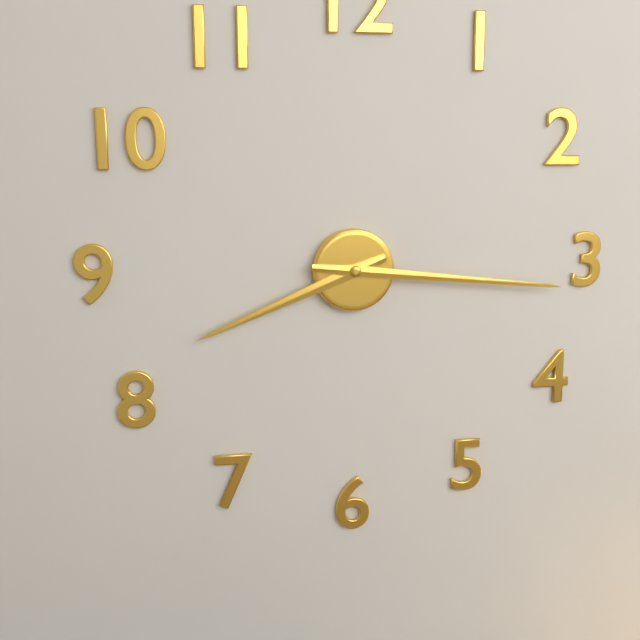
h=8 m=16
